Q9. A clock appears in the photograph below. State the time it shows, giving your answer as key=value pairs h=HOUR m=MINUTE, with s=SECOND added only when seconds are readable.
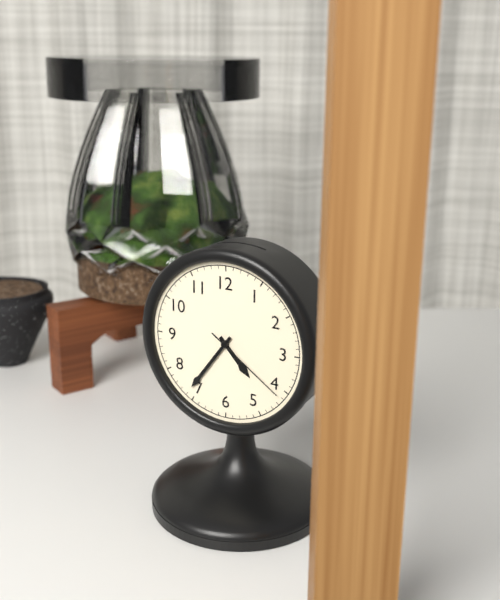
h=4 m=36 s=21
